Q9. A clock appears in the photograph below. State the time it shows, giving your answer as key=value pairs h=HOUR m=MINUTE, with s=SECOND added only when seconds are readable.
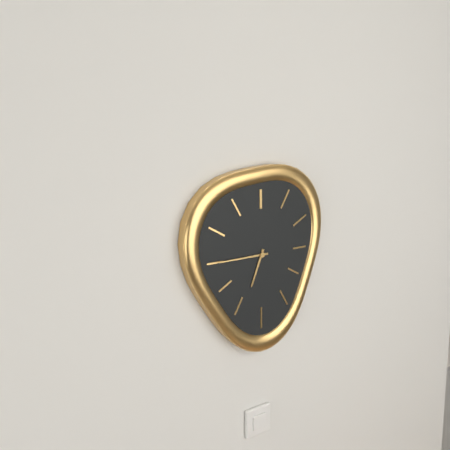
h=6 m=45
